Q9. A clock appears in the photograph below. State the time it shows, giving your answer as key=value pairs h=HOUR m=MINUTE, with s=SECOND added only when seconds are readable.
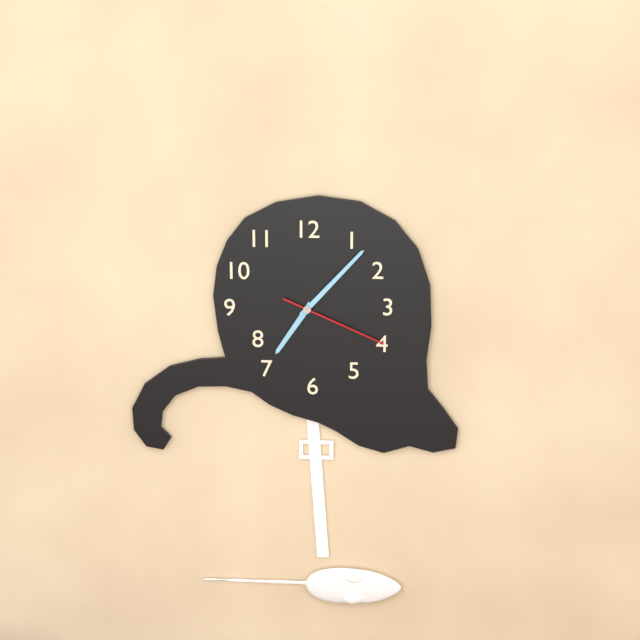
h=7 m=7 s=19
